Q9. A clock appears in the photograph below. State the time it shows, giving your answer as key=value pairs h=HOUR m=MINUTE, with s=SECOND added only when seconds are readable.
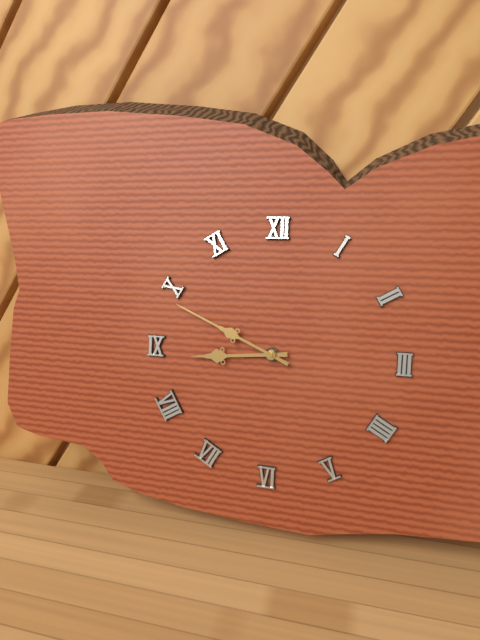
h=8 m=49
